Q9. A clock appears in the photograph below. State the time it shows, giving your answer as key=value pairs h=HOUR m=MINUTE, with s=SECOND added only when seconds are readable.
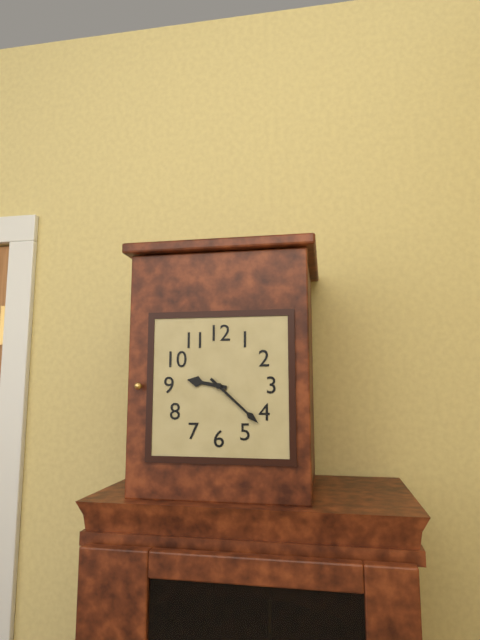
h=9 m=22
